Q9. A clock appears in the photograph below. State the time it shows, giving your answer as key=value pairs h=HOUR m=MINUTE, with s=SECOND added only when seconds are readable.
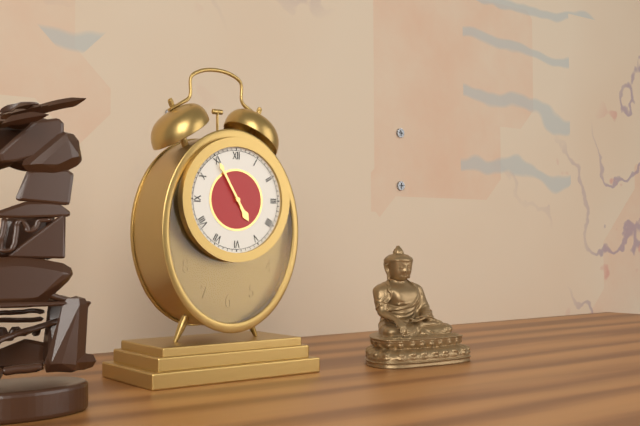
h=4 m=55
